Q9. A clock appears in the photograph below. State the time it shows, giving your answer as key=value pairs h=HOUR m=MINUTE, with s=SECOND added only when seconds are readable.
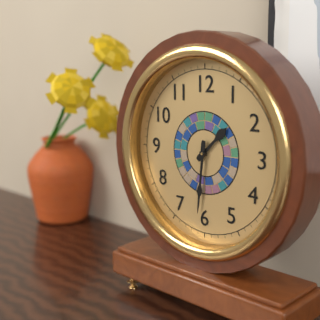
h=1 m=31
